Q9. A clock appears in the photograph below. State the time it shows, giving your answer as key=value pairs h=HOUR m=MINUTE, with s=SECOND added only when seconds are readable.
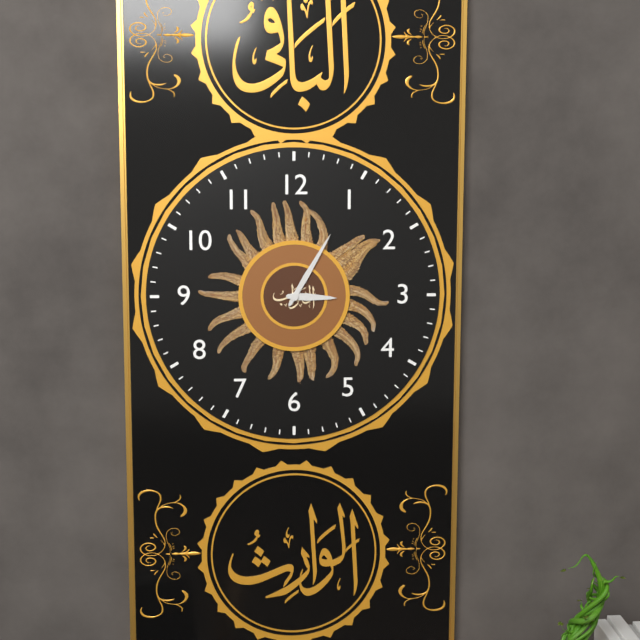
h=3 m=5
